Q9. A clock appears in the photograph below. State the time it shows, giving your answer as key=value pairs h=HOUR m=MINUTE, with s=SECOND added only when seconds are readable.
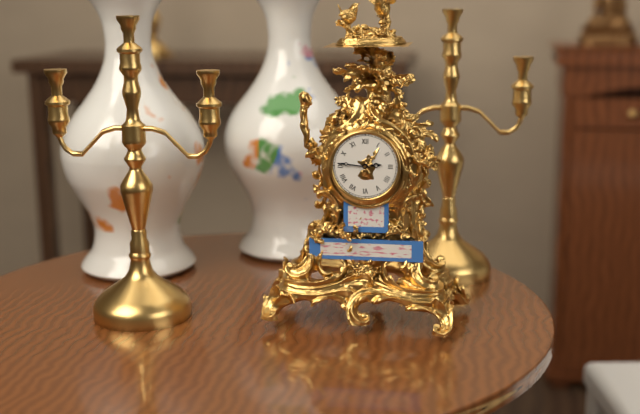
h=2 m=46
